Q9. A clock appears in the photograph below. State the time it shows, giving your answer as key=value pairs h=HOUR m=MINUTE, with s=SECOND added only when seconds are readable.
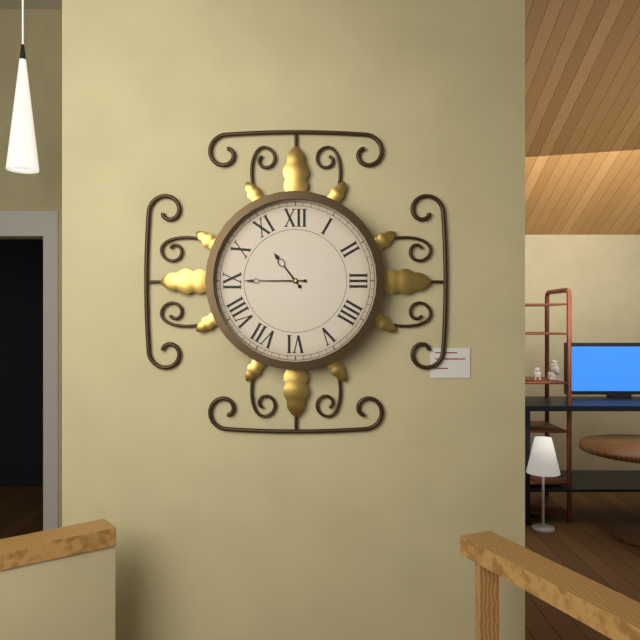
h=10 m=45
